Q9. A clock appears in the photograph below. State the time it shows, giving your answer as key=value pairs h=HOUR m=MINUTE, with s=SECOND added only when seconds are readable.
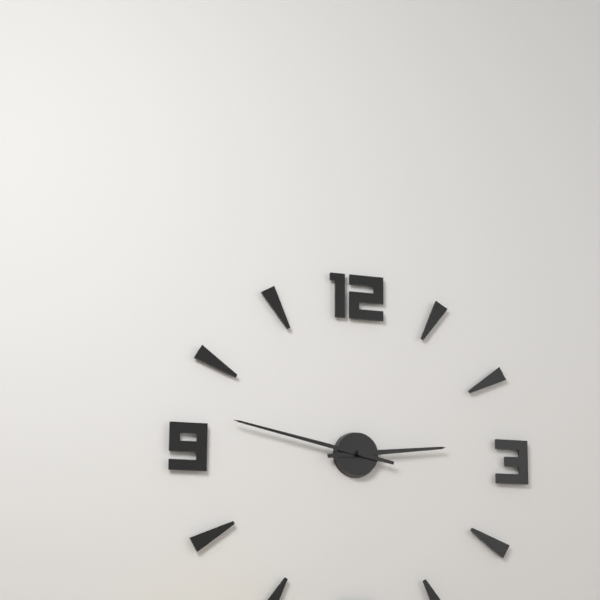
h=2 m=47
